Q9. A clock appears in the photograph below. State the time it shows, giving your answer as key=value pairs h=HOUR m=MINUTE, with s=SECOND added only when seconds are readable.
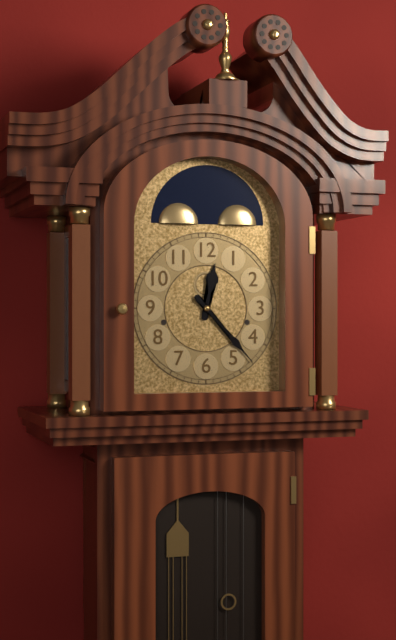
h=12 m=23
